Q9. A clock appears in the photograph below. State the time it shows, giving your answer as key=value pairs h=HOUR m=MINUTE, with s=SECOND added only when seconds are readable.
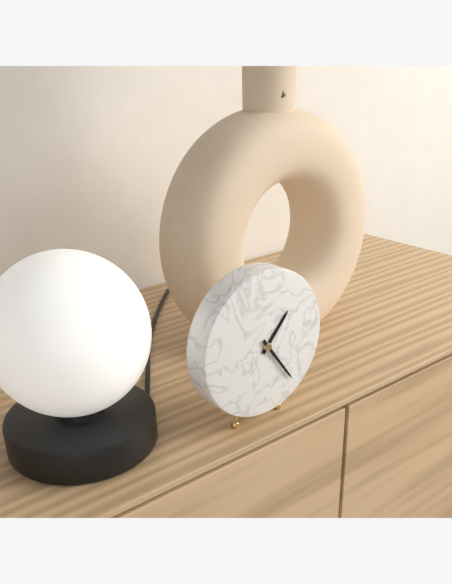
h=1 m=24
